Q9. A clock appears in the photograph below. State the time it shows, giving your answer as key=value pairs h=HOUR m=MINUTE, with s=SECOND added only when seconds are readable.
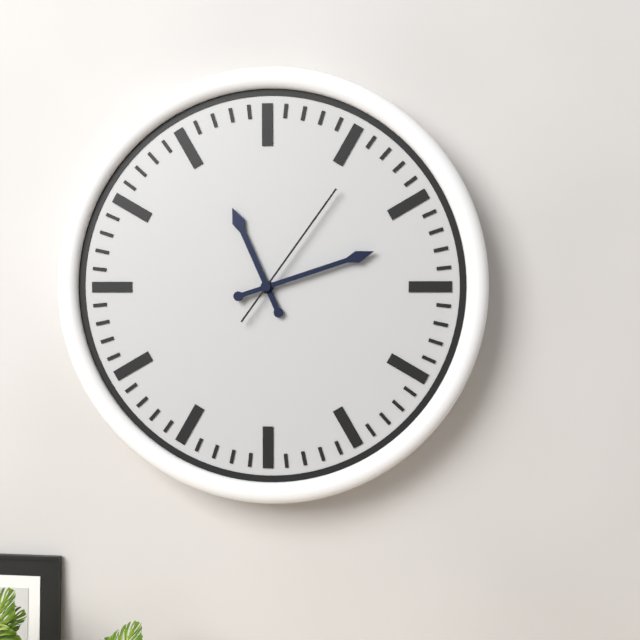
h=11 m=12 s=6
